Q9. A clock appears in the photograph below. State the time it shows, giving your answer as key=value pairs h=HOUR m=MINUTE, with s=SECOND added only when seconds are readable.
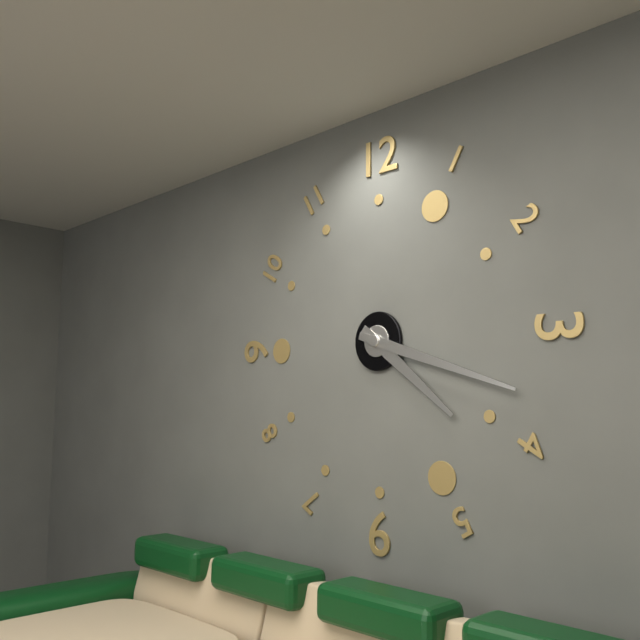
h=4 m=18
